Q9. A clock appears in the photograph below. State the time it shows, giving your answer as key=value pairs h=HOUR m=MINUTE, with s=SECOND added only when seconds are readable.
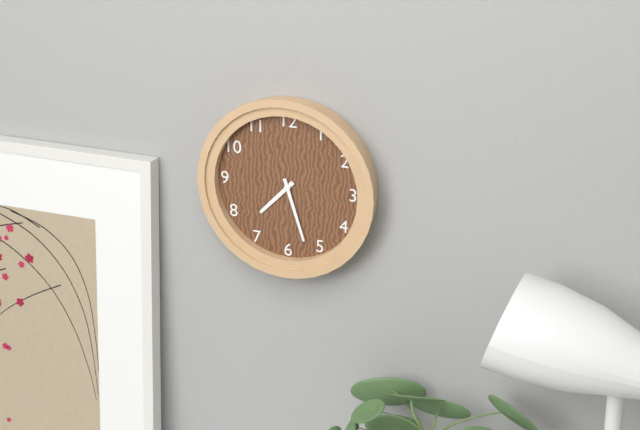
h=7 m=27
